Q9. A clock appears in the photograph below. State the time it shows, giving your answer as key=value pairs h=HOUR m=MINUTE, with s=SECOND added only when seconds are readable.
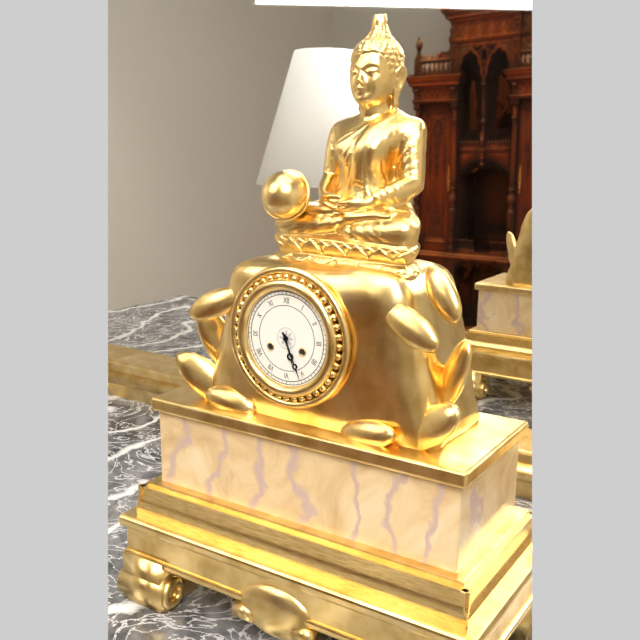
h=5 m=26
